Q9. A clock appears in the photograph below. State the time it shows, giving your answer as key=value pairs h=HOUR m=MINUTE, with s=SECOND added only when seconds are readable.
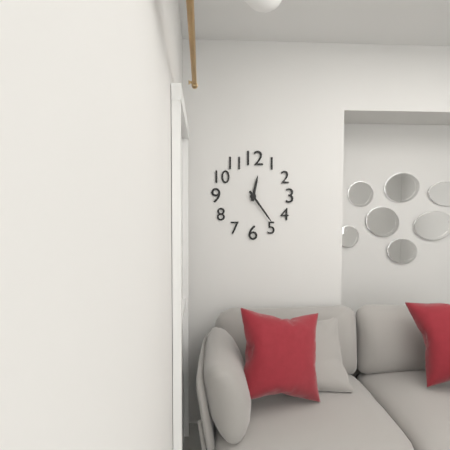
h=12 m=24
